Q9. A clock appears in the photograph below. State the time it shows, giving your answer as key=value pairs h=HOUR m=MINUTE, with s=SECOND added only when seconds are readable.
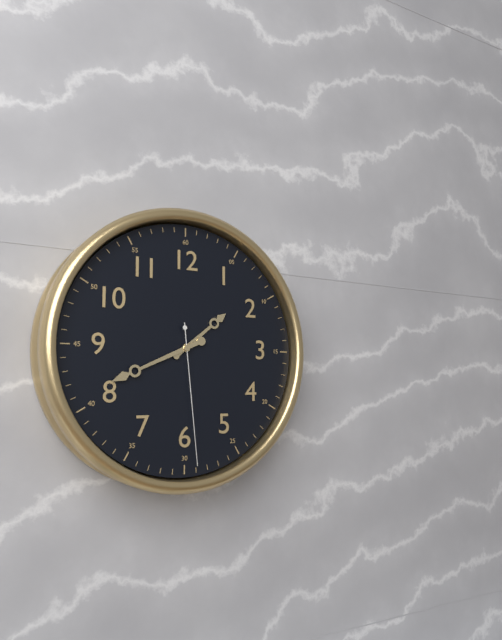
h=1 m=41 s=29
